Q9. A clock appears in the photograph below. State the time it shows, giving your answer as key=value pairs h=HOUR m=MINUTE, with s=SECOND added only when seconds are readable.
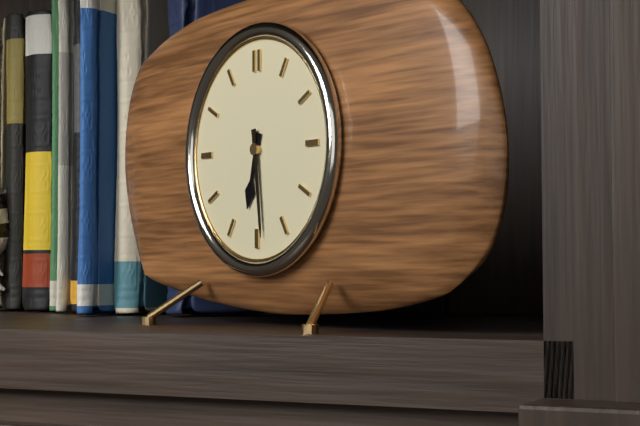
h=6 m=29
